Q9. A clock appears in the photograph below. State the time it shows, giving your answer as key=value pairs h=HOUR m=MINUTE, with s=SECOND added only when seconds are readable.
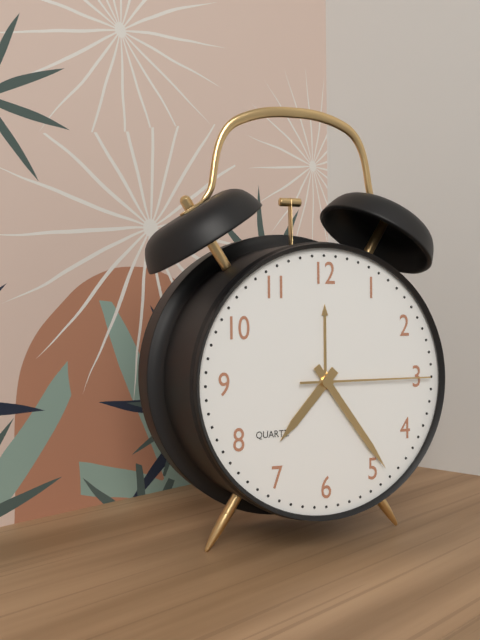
h=7 m=24 s=15
